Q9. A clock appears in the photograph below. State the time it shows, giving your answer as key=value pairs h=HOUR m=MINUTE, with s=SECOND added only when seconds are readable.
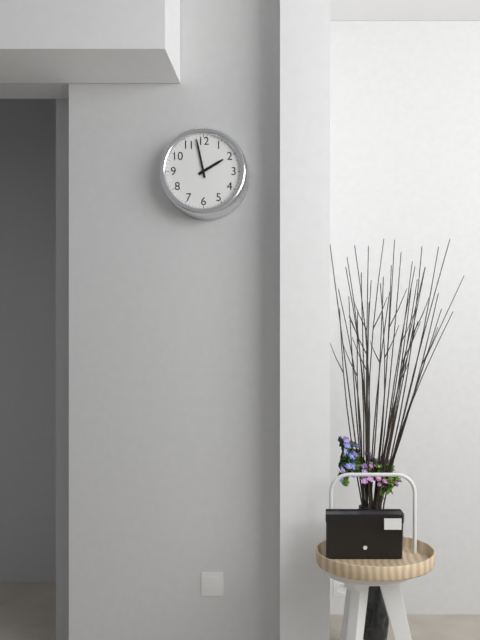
h=1 m=58
